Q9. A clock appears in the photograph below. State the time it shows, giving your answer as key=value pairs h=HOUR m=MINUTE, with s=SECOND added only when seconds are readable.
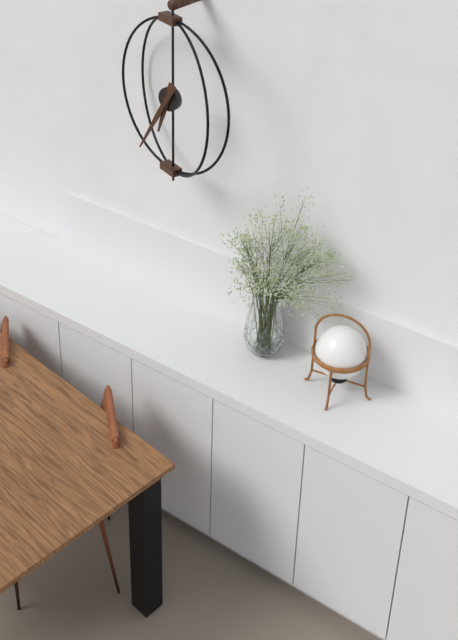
h=6 m=35
